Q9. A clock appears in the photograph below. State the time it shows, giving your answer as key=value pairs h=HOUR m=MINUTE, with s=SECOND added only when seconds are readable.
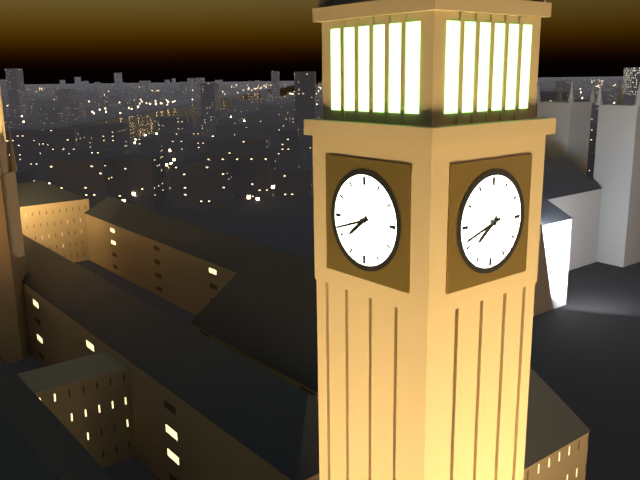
h=7 m=42
